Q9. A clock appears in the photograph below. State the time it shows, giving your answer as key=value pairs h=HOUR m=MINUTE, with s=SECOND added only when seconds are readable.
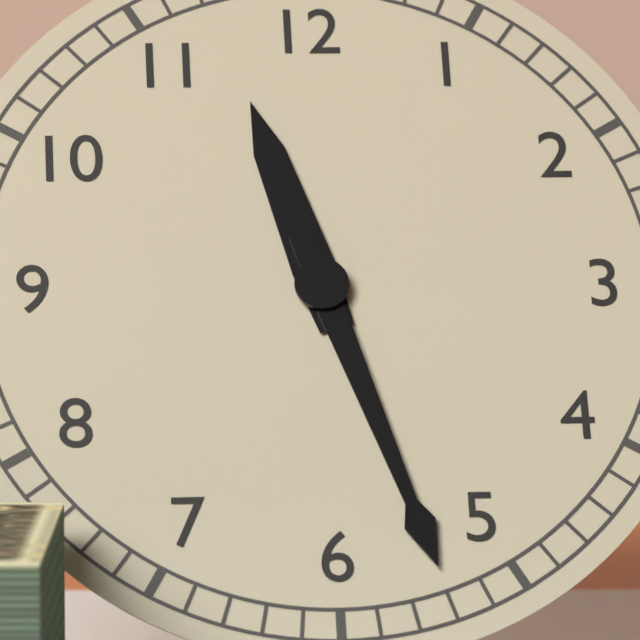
h=11 m=27
